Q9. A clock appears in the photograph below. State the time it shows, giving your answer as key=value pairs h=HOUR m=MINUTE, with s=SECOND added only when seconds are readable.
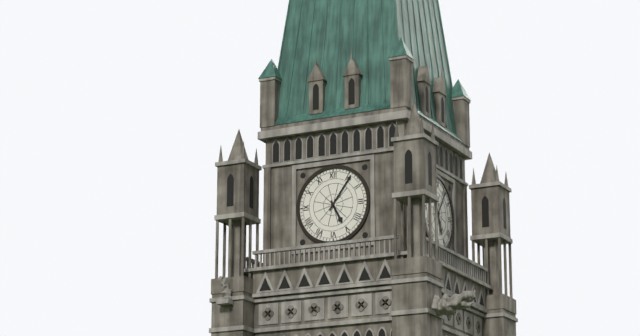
h=5 m=6
